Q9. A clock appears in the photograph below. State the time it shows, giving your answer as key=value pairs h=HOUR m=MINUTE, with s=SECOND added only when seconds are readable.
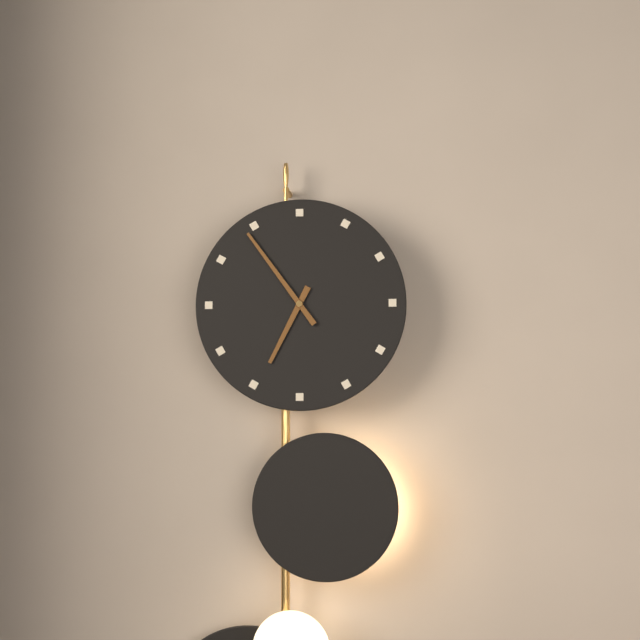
h=6 m=54
